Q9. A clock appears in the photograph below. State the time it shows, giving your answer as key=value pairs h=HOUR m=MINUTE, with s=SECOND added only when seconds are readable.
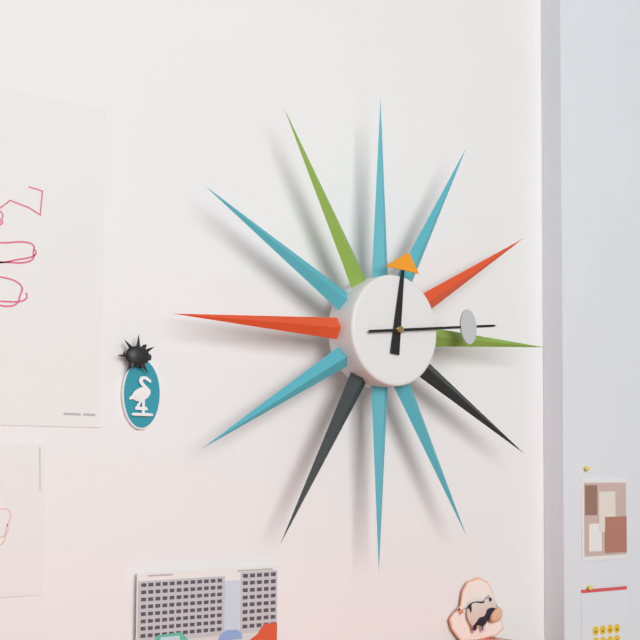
h=12 m=14
